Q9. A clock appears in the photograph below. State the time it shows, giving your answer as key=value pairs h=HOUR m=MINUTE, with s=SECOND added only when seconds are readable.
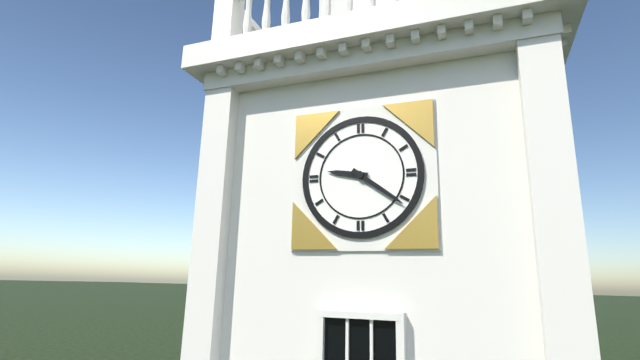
h=9 m=21
